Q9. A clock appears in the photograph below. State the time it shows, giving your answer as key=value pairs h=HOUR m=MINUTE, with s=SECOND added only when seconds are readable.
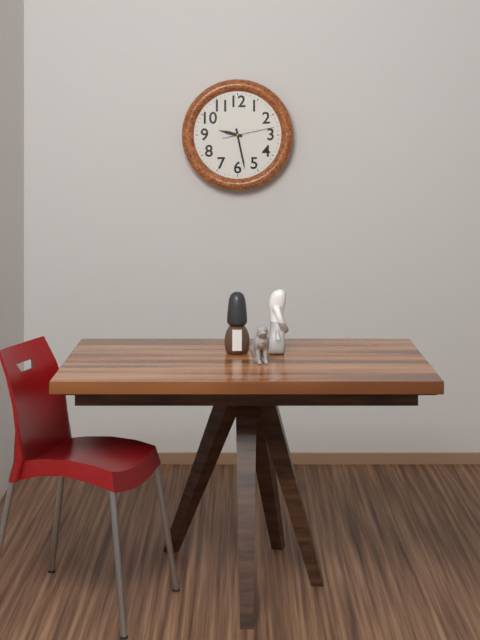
h=9 m=28
